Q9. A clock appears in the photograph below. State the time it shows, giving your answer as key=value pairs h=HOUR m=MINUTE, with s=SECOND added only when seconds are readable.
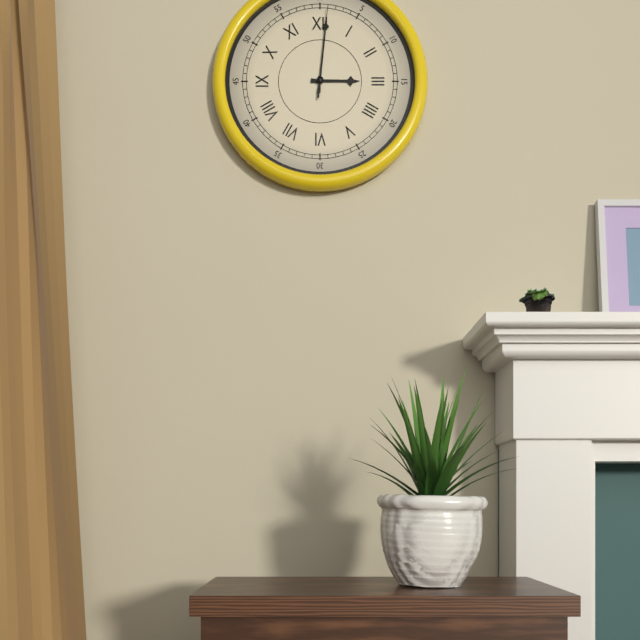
h=3 m=1 s=1
